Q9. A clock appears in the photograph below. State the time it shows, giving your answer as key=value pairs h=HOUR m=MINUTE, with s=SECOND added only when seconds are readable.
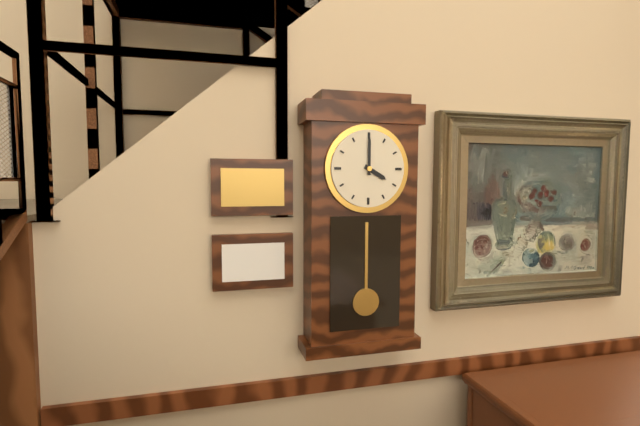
h=4 m=0
